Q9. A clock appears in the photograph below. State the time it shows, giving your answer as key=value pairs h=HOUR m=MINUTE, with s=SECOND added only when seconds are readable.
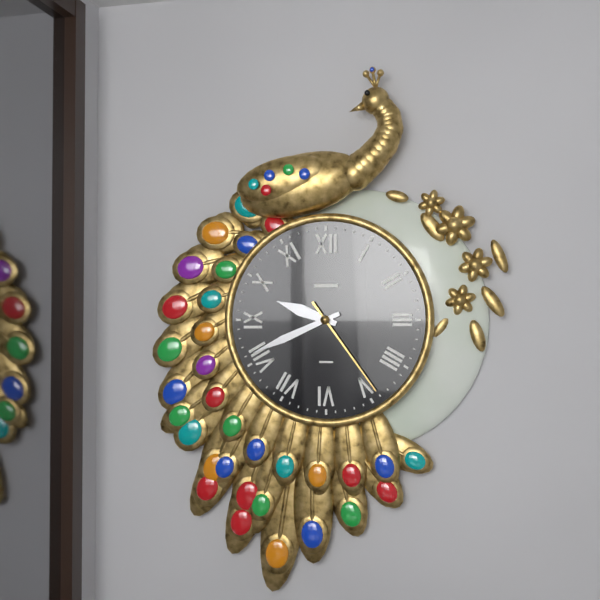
h=9 m=41 s=24
